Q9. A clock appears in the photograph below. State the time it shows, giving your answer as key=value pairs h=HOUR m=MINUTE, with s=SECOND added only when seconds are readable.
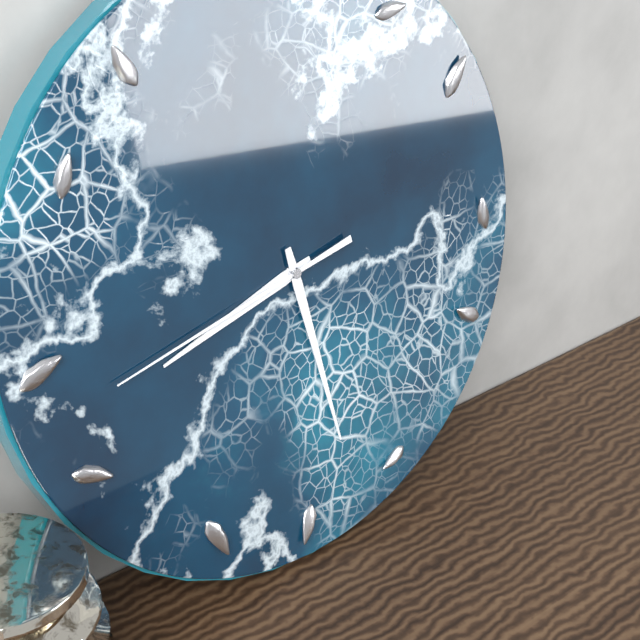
h=8 m=28 s=43
